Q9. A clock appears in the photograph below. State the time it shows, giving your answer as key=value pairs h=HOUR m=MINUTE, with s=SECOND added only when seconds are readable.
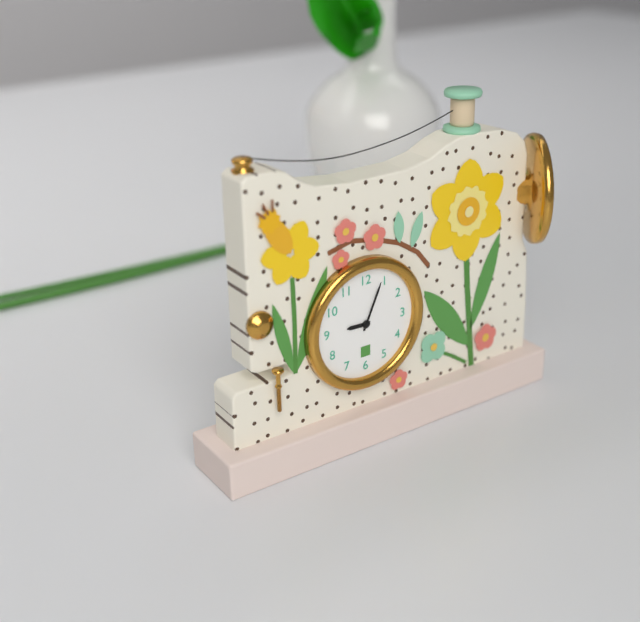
h=9 m=4
